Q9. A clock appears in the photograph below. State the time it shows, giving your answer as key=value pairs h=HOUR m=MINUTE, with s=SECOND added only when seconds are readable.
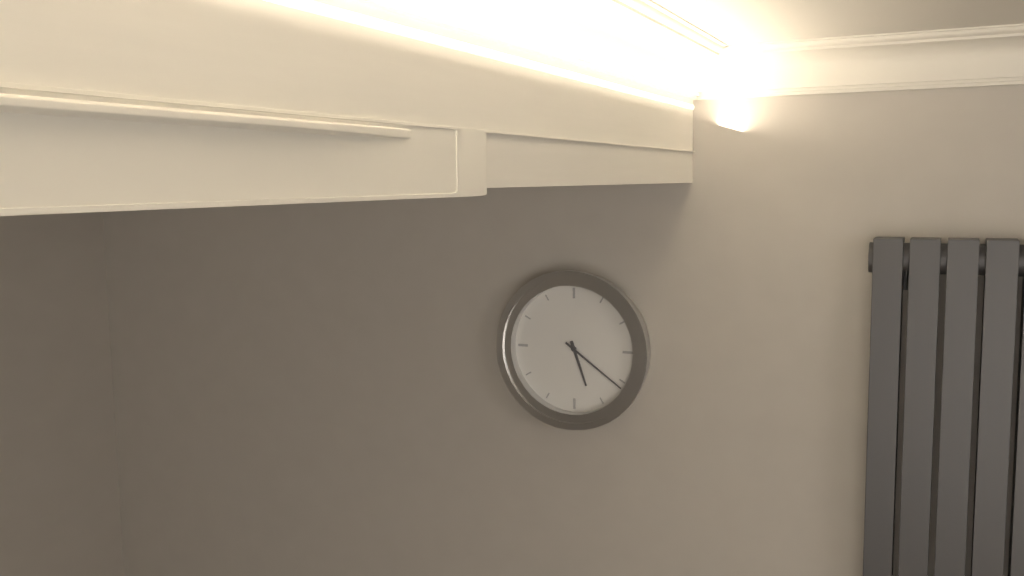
h=5 m=21
